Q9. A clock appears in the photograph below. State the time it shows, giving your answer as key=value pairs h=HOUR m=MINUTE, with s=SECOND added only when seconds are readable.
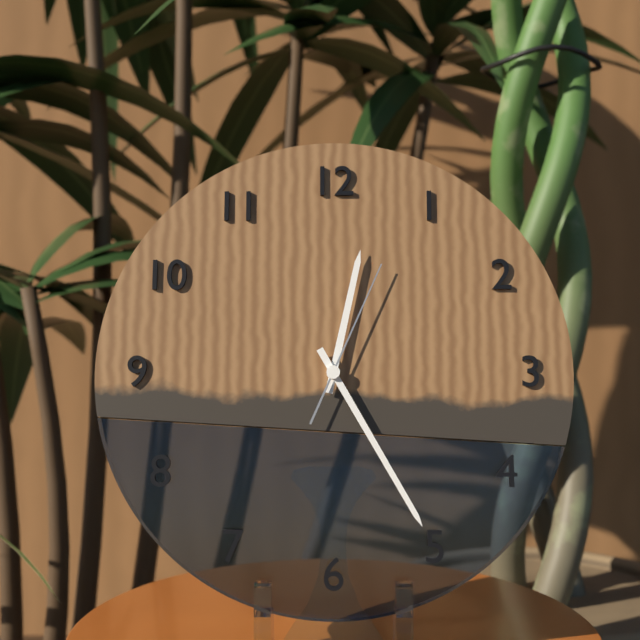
h=12 m=25 s=4
